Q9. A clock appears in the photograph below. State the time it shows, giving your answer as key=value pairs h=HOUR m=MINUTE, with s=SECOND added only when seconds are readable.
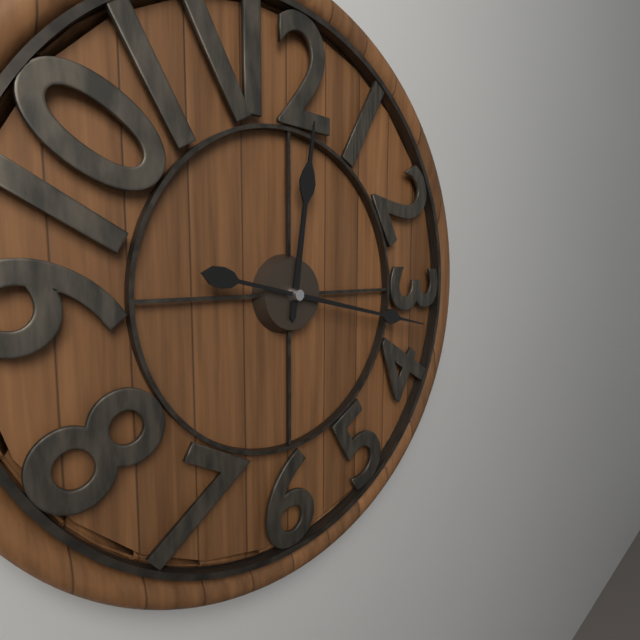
h=12 m=17
